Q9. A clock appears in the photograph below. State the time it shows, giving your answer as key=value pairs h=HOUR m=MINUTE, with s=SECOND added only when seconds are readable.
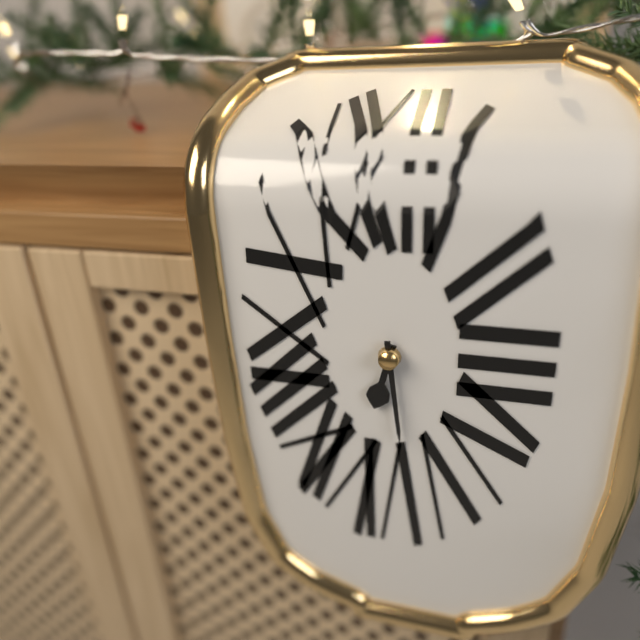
h=6 m=29
